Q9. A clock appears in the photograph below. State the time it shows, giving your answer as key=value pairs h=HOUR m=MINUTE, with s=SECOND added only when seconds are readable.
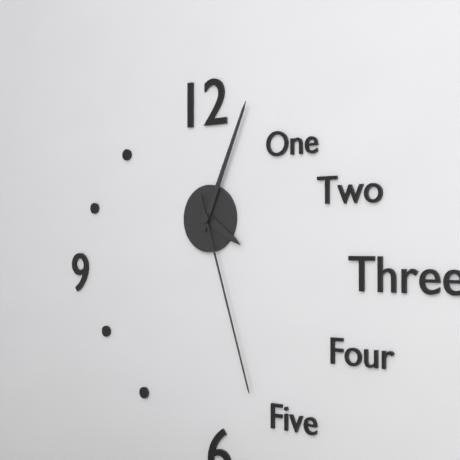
h=4 m=4 s=27
